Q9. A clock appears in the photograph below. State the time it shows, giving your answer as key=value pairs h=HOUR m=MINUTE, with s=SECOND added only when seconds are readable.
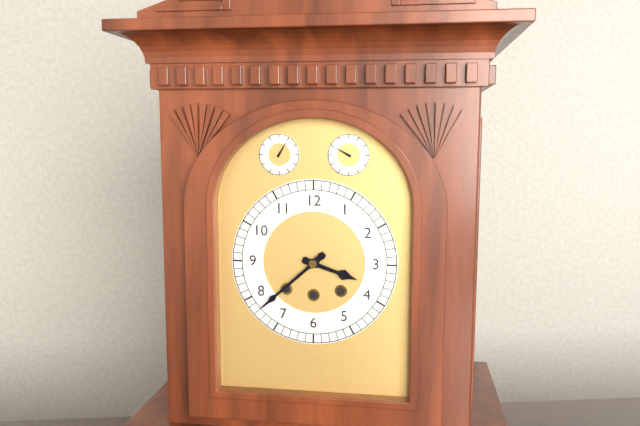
h=3 m=38
